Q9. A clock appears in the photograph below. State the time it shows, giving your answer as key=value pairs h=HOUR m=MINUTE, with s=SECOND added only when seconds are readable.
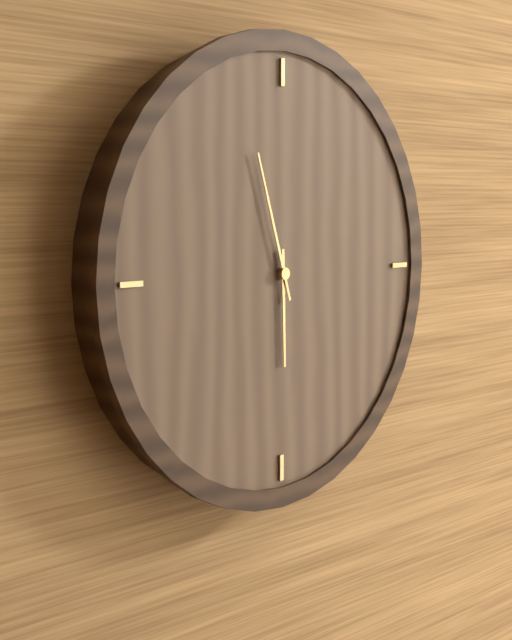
h=5 m=57
